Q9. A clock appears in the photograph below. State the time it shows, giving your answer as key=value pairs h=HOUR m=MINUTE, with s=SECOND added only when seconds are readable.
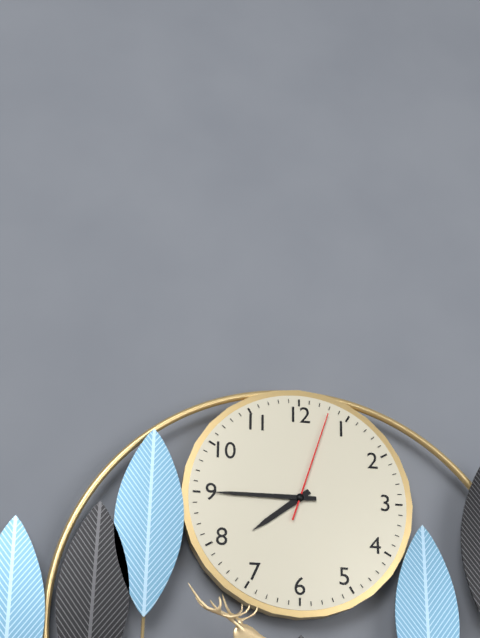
h=7 m=45 s=3
